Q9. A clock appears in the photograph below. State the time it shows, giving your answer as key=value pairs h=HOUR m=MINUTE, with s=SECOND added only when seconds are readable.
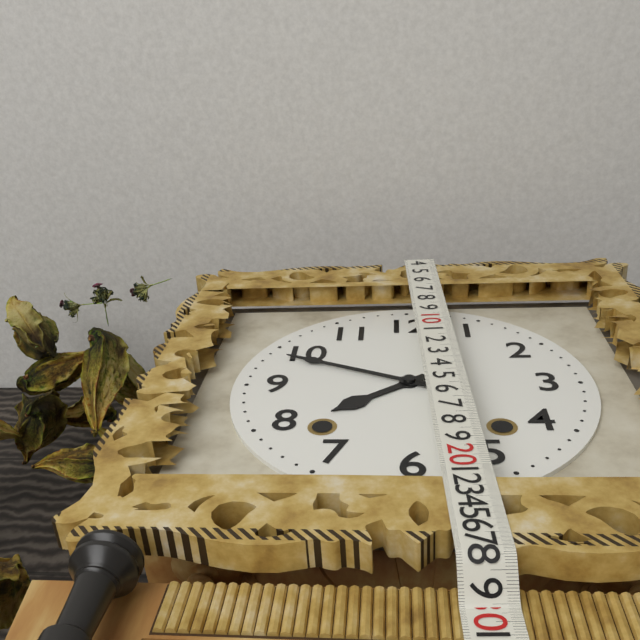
h=7 m=49
